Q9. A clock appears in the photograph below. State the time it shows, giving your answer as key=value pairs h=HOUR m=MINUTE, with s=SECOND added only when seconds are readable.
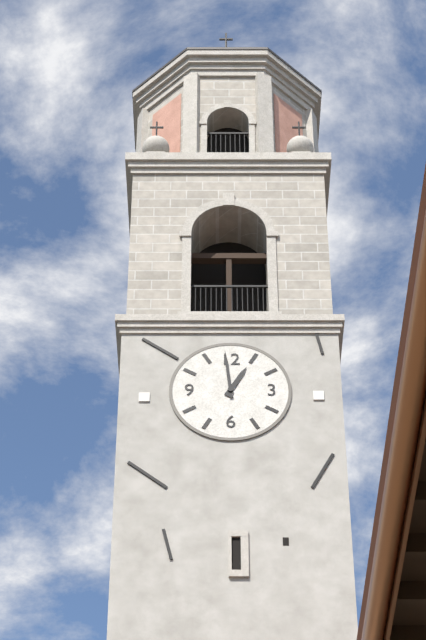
h=12 m=59
